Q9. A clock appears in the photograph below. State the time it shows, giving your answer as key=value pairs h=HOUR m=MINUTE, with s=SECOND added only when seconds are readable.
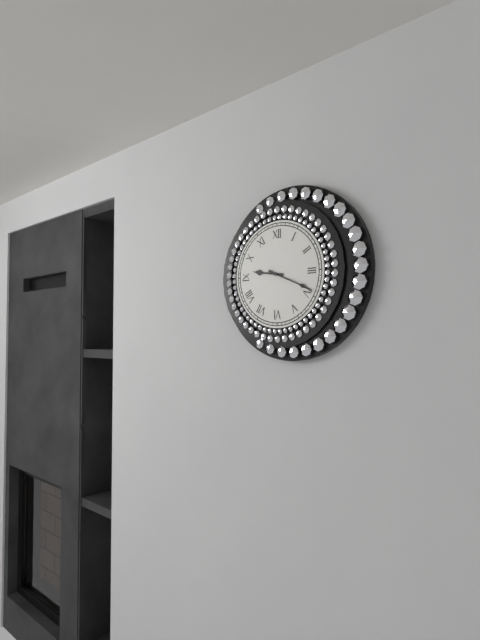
h=9 m=19
